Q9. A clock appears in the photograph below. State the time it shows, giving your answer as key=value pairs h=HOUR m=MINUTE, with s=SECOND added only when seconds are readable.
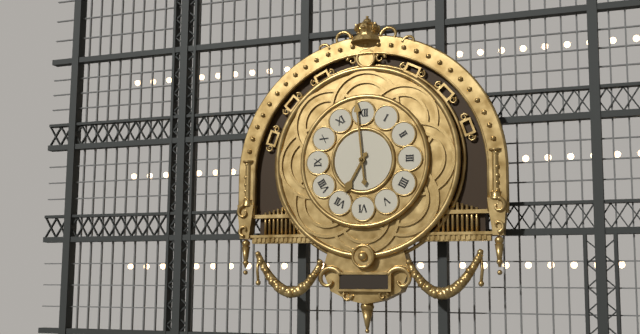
h=6 m=59
